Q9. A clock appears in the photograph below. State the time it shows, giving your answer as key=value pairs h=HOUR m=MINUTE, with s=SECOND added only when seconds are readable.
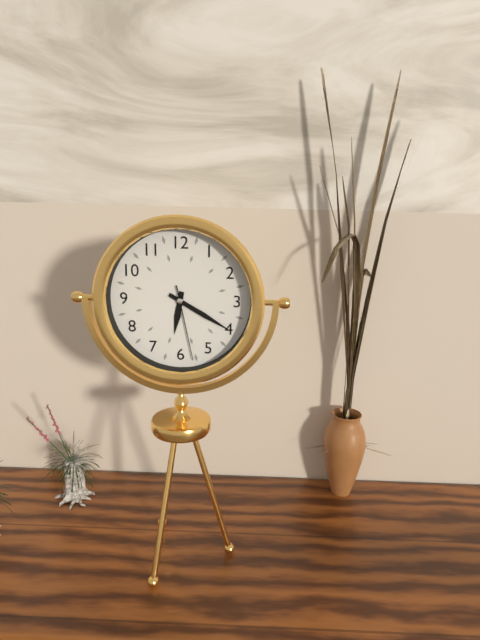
h=6 m=20 s=28
